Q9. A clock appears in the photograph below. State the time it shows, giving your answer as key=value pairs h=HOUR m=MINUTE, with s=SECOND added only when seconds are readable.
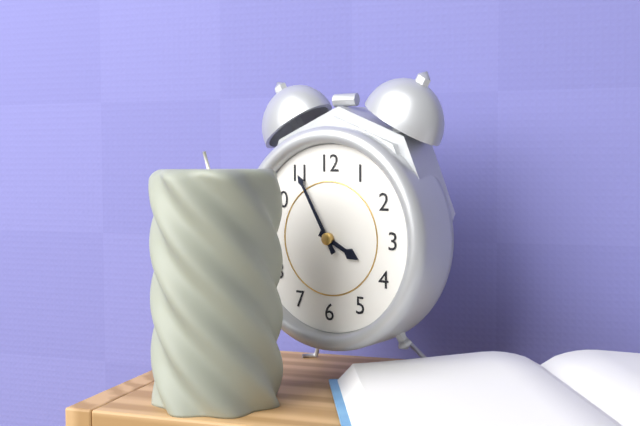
h=3 m=55
